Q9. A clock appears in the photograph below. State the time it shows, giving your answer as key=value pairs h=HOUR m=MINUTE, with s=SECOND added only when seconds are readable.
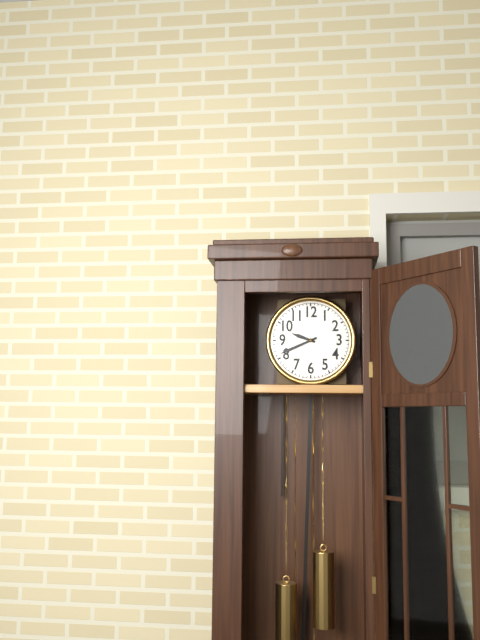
h=9 m=41
